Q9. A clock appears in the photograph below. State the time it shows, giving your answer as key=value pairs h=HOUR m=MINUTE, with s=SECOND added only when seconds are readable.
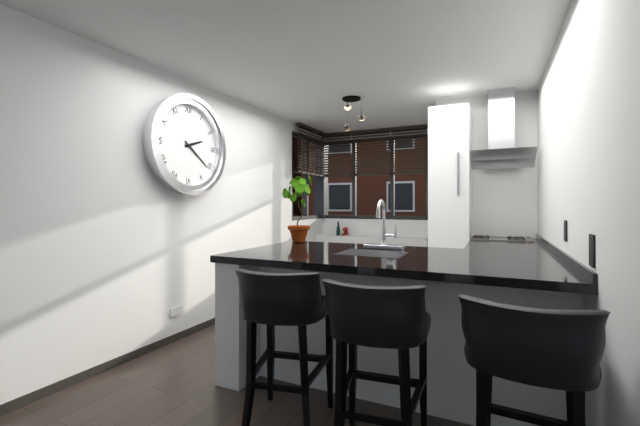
h=2 m=21
